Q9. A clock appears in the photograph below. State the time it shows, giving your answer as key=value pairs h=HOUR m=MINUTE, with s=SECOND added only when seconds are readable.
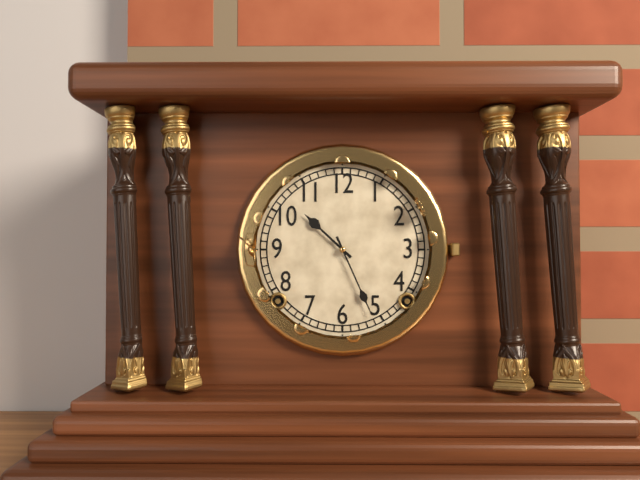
h=10 m=26
